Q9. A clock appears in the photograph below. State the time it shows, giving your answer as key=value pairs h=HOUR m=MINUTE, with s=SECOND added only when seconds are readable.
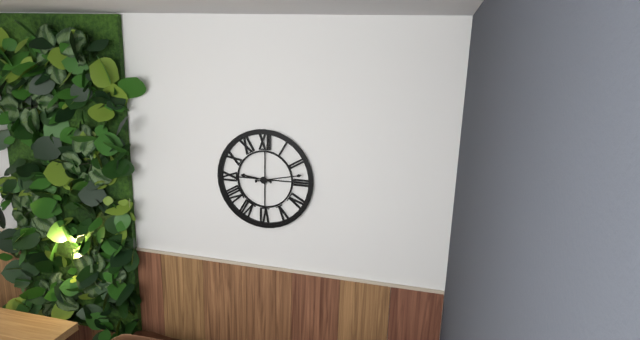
h=9 m=13
